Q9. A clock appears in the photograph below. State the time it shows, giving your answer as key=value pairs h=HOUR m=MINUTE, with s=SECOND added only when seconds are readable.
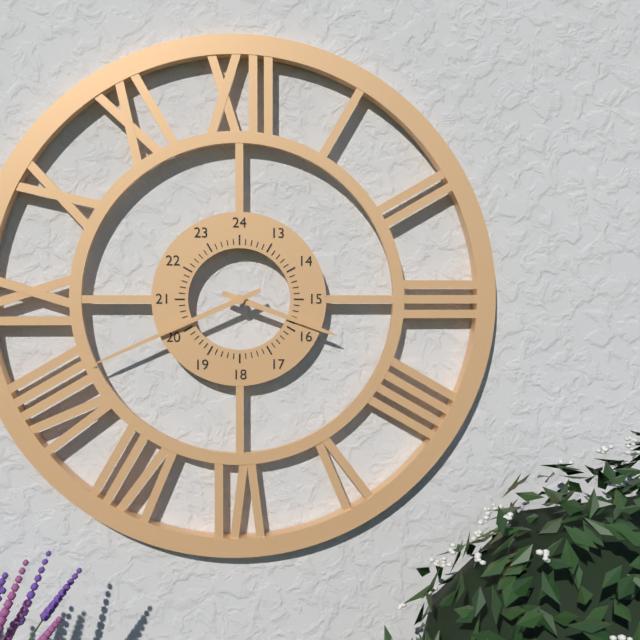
h=3 m=41
